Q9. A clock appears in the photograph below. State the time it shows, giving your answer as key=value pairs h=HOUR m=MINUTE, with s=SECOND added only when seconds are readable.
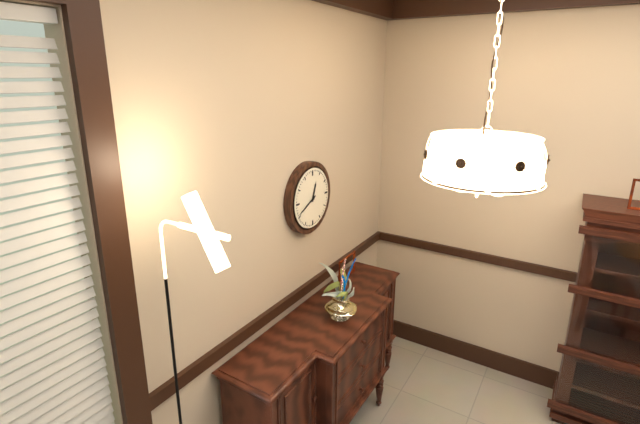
h=12 m=41
